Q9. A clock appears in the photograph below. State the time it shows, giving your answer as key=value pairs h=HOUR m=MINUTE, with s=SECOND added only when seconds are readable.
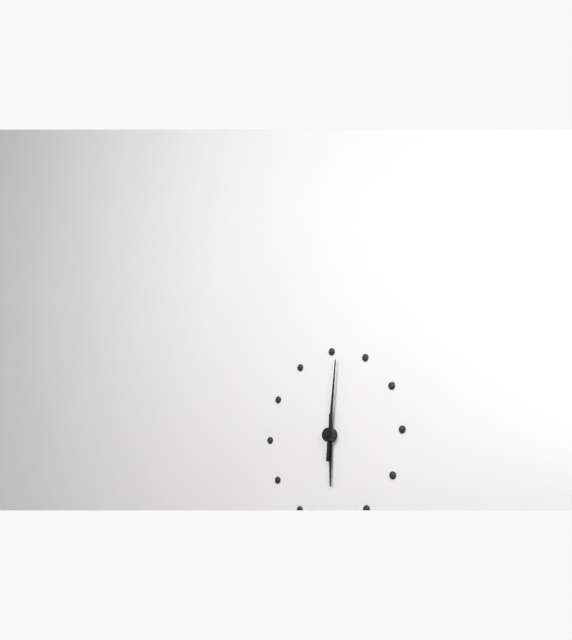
h=6 m=1
